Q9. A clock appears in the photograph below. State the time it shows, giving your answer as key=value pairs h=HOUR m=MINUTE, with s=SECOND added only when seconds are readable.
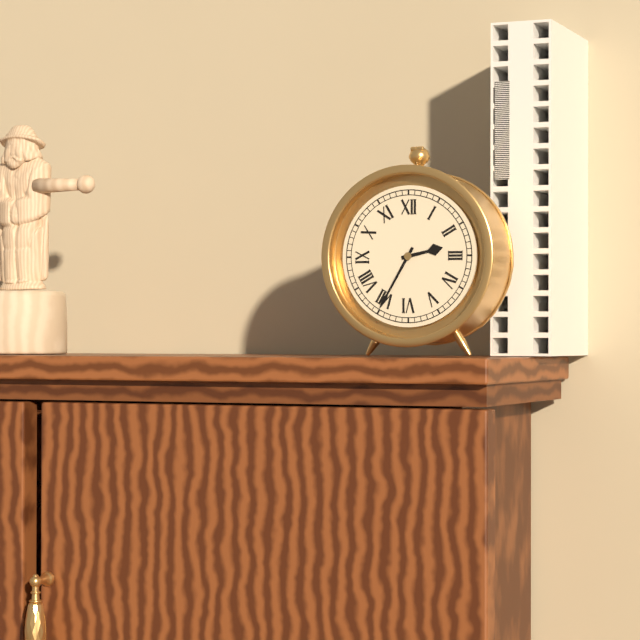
h=2 m=35
